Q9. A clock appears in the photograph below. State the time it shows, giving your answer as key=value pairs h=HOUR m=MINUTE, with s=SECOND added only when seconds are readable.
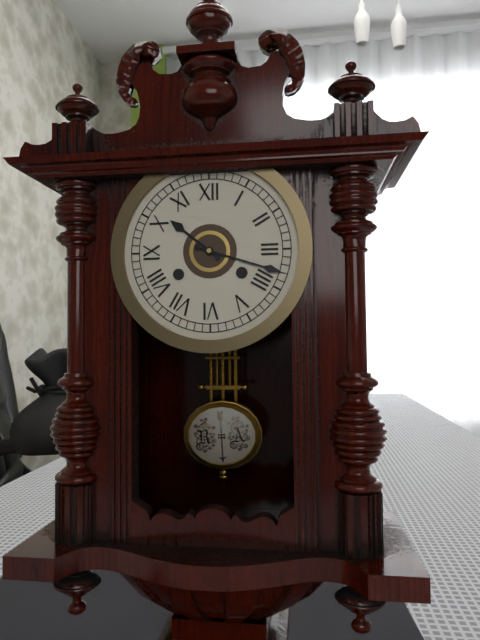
h=10 m=18
